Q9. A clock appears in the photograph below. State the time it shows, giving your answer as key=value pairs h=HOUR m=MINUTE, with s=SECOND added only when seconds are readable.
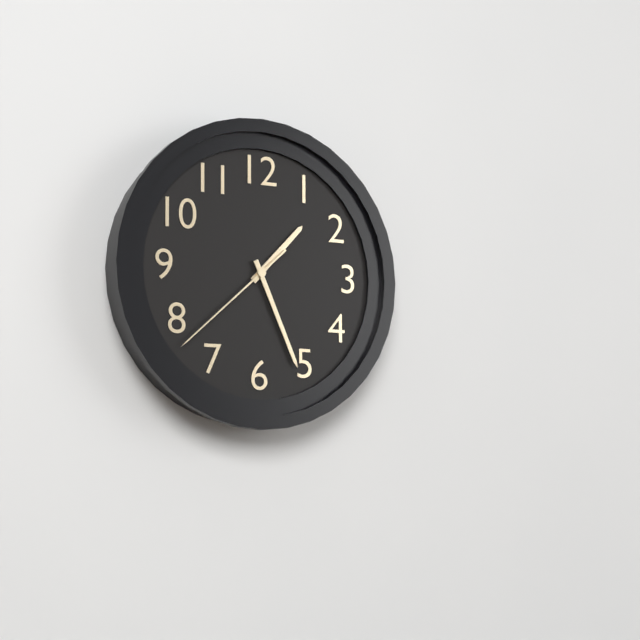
h=1 m=26 s=38
